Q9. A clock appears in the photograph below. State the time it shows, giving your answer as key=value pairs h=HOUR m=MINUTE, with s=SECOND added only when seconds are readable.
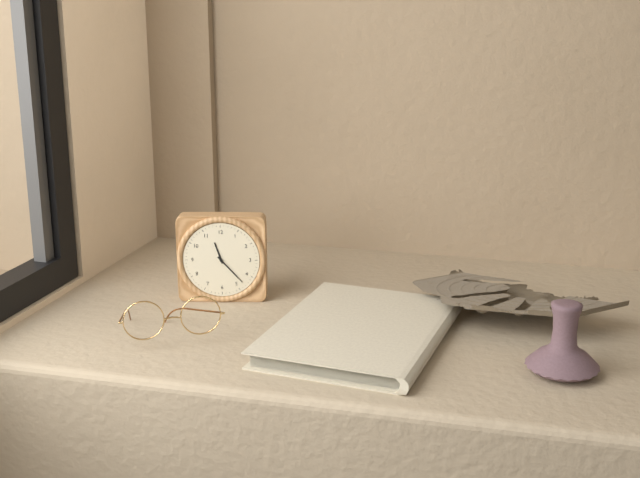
h=11 m=23
